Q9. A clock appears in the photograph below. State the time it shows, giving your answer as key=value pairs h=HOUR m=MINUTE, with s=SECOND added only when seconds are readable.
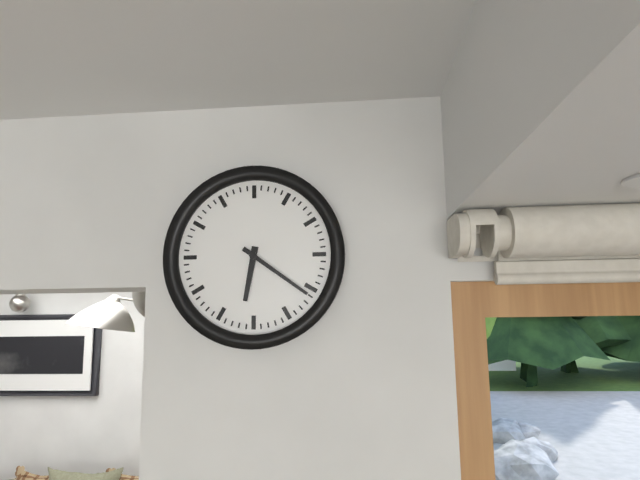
h=6 m=21
